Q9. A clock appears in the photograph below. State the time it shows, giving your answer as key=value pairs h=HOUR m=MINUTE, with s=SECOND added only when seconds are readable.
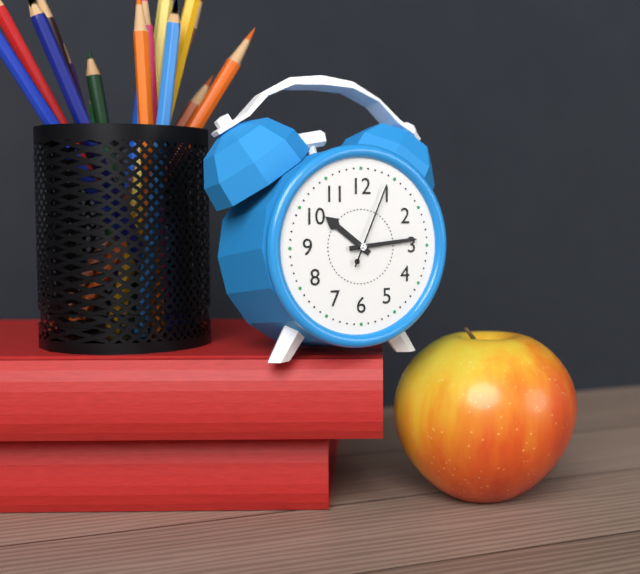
h=10 m=14 s=4
